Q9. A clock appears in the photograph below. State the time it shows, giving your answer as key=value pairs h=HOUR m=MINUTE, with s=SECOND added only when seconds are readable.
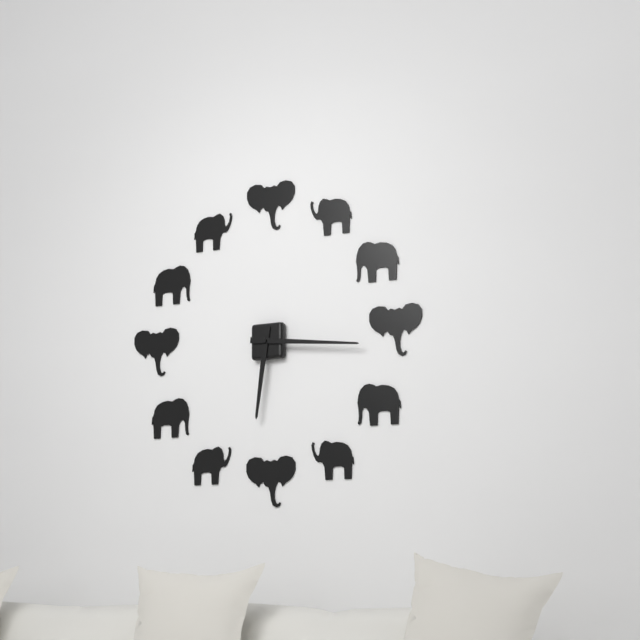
h=6 m=16
